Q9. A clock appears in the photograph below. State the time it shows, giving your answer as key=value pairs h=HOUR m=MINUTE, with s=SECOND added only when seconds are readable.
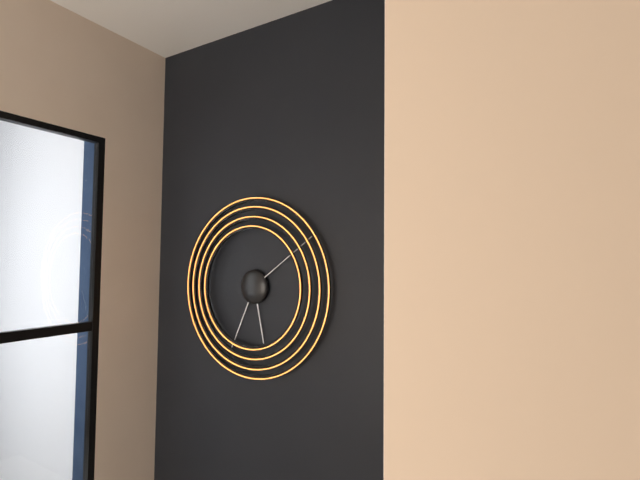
h=5 m=34 s=9
